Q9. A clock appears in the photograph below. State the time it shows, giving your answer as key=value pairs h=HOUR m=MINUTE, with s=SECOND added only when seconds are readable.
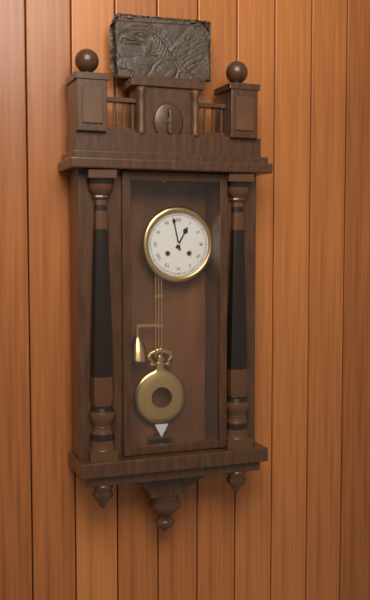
h=12 m=58
